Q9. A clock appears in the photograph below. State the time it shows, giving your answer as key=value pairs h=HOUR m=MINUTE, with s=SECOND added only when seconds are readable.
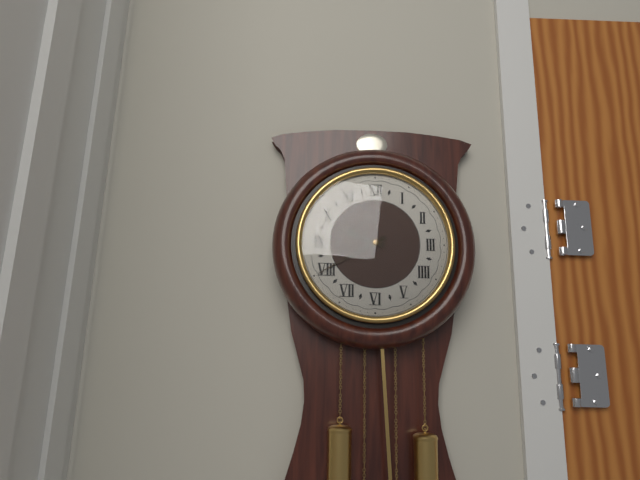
h=9 m=40
